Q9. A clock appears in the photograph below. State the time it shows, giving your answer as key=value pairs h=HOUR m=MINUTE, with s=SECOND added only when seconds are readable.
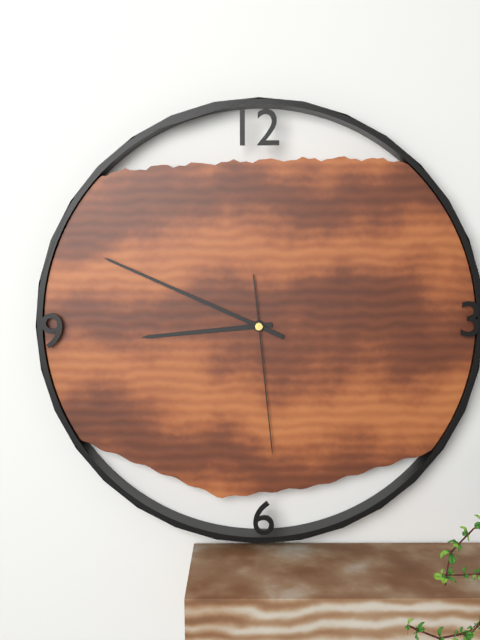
h=8 m=49 s=29
